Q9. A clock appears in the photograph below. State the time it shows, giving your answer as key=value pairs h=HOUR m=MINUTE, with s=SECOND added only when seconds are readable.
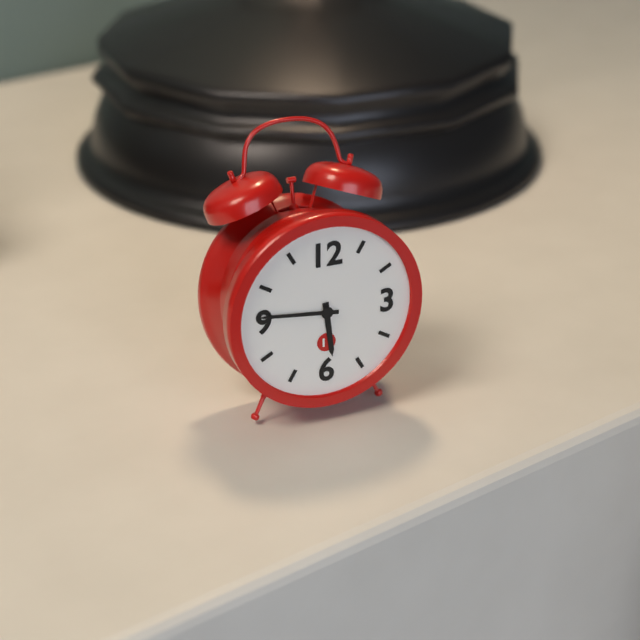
h=5 m=46
